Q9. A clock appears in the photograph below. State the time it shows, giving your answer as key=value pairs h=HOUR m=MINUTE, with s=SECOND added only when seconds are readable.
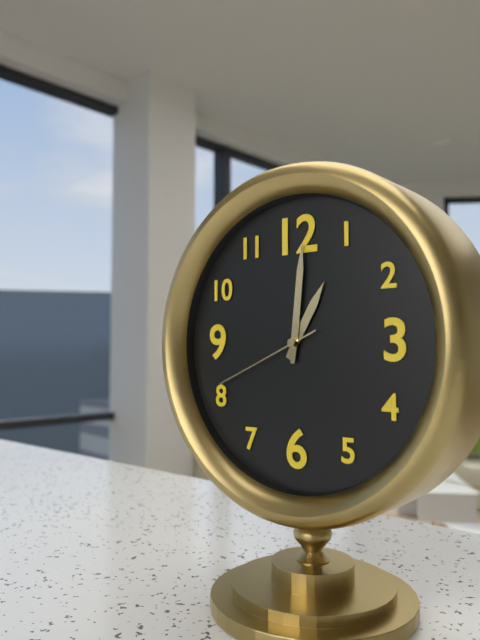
h=1 m=1 s=41
